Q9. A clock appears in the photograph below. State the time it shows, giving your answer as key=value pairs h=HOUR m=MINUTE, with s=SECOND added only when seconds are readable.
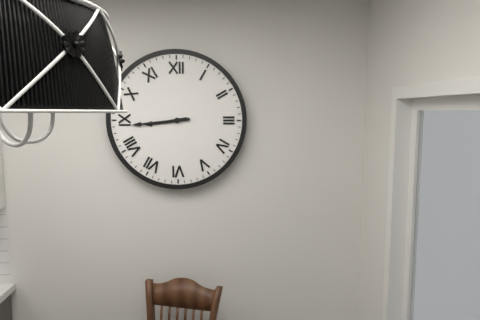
h=8 m=44
